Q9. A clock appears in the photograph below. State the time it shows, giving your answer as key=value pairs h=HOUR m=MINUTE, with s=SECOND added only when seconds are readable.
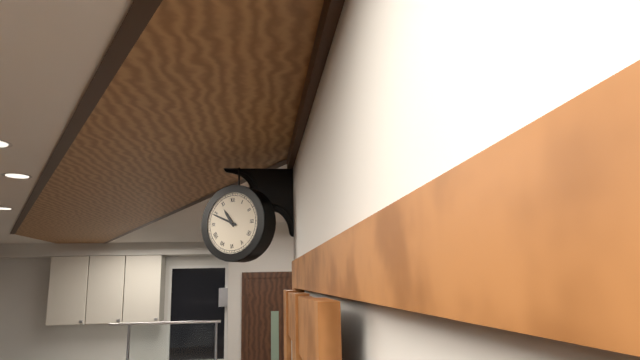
h=10 m=49
